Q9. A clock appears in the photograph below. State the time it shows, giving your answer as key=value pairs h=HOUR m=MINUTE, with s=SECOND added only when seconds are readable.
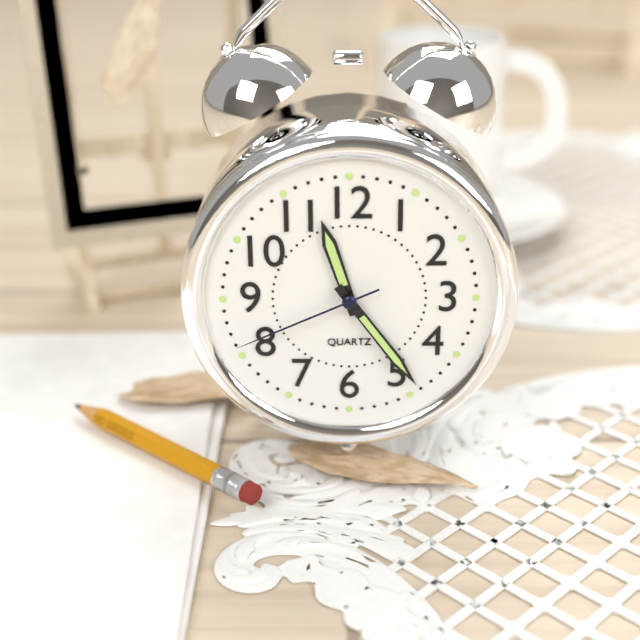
h=11 m=24 s=41
